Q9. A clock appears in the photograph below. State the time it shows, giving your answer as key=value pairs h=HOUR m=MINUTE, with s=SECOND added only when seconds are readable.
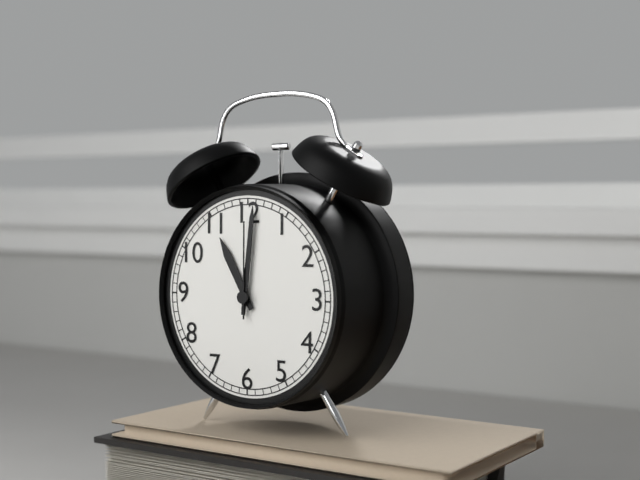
h=11 m=1 s=0
